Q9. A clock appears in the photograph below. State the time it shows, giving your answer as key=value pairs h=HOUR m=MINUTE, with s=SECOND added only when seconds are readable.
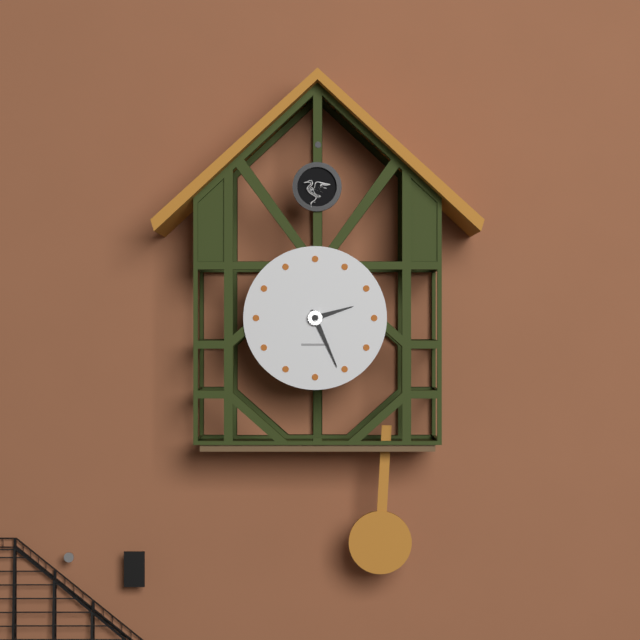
h=2 m=26
